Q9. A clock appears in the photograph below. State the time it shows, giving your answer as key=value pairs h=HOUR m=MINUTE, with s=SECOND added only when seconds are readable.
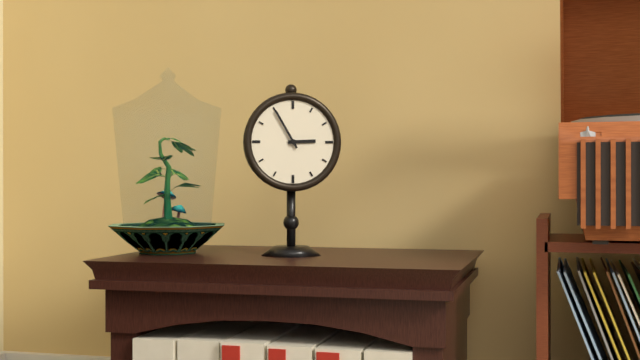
h=2 m=55
